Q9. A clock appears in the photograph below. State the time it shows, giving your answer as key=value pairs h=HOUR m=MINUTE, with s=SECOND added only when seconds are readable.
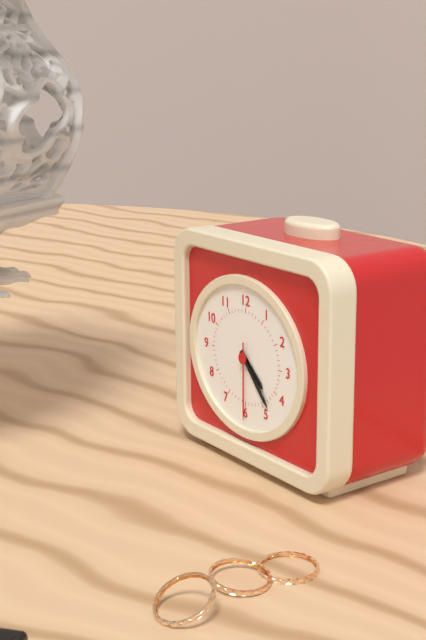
h=4 m=23 s=30
